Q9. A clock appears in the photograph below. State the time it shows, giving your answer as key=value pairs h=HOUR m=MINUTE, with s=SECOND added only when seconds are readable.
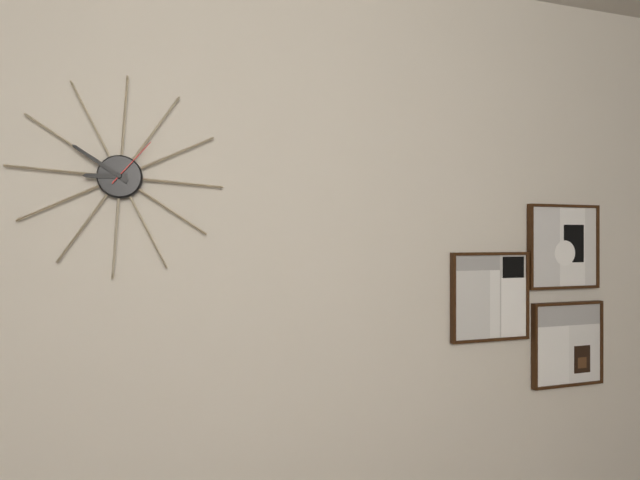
h=8 m=50 s=6
